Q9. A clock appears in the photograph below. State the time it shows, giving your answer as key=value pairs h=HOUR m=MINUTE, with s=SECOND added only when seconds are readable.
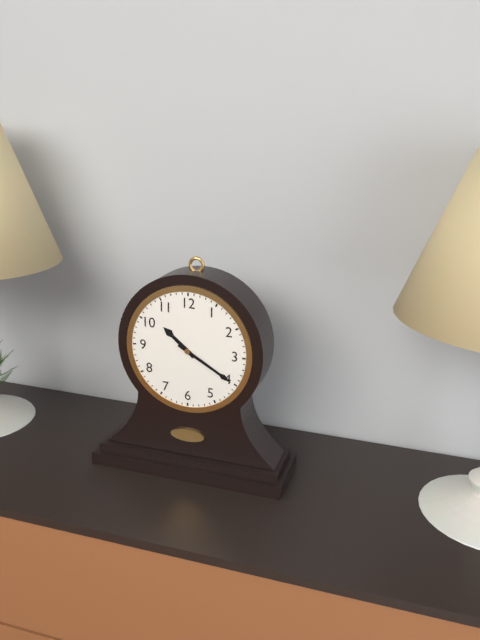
h=10 m=20
